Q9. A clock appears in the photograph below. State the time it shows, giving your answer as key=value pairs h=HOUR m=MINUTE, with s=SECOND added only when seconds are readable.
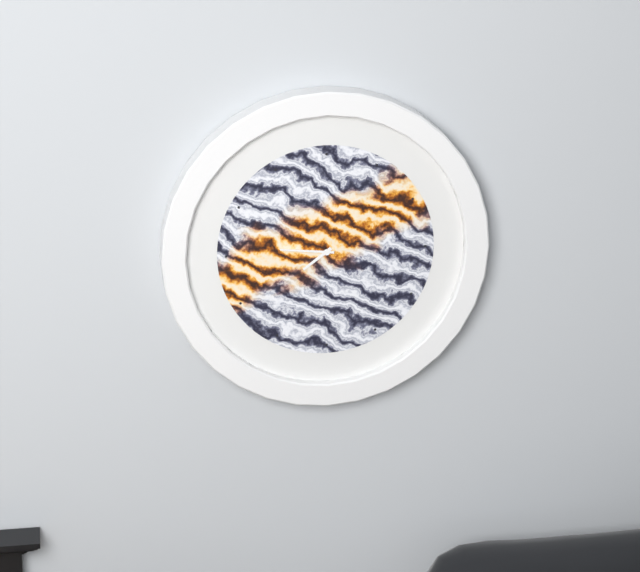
h=7 m=46
